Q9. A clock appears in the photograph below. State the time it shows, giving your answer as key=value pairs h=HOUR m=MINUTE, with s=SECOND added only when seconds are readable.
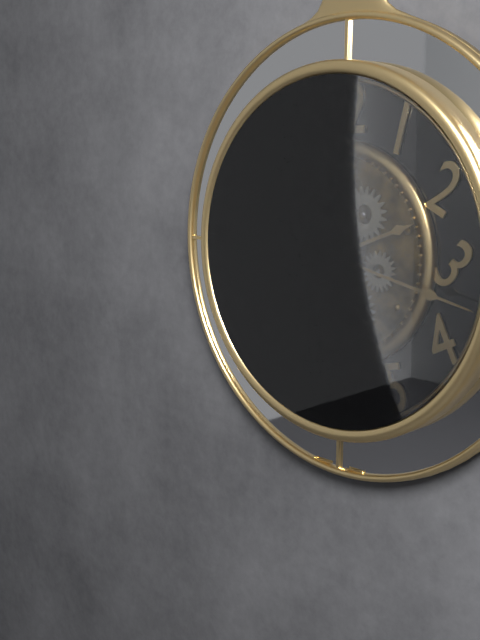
h=2 m=17
